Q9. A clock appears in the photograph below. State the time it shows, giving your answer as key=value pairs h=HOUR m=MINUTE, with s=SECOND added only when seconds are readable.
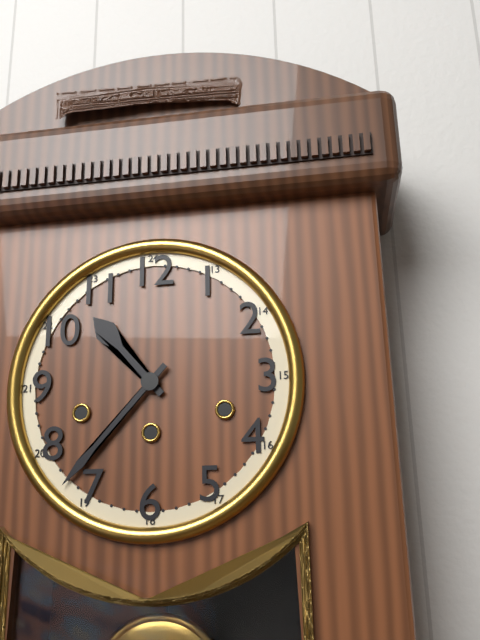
h=10 m=37
